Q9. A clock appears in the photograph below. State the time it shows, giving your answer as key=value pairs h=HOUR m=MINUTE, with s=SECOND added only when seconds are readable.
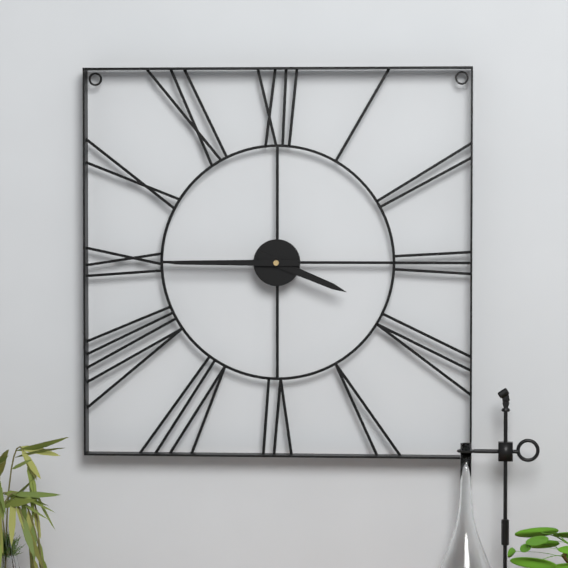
h=3 m=45
